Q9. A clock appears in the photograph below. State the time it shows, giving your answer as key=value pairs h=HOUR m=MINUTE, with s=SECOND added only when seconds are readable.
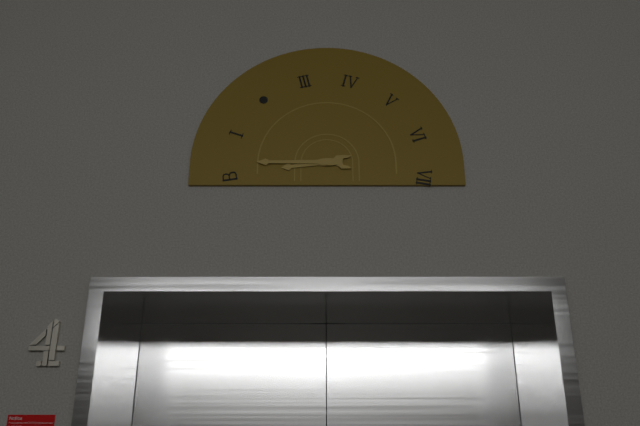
h=8 m=45
